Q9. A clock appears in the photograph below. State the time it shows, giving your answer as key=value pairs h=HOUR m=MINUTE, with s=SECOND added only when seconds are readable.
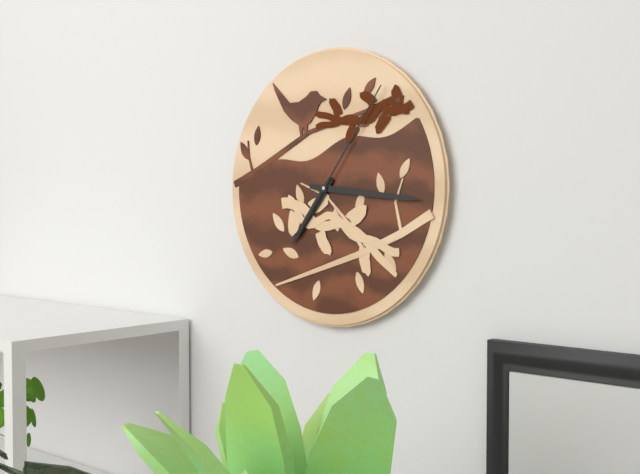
h=7 m=16 s=6
